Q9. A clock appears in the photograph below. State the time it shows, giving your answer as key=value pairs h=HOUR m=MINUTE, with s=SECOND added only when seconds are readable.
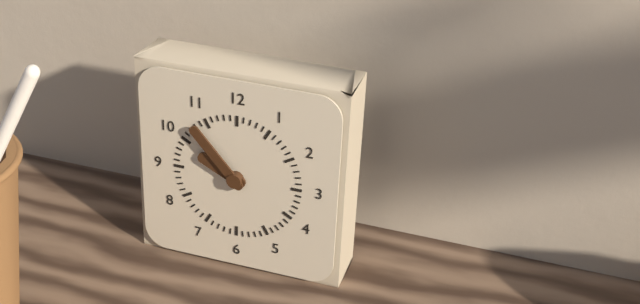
h=9 m=53
